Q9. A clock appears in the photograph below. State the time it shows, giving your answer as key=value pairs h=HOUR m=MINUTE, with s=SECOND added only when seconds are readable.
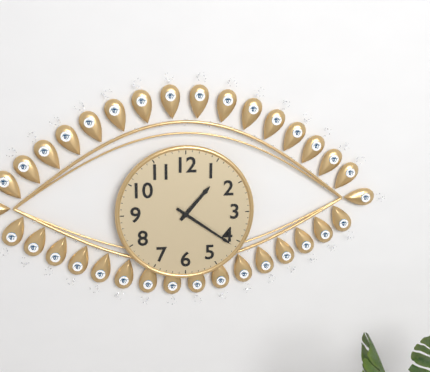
h=1 m=21
